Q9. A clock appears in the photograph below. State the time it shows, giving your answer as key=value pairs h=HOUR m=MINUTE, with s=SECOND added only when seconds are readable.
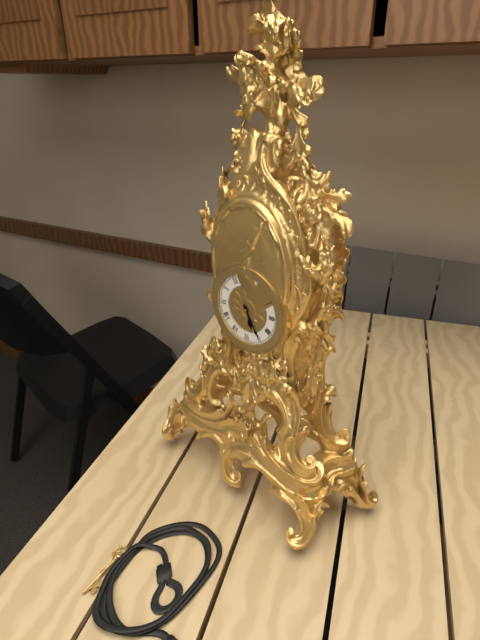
h=5 m=25
